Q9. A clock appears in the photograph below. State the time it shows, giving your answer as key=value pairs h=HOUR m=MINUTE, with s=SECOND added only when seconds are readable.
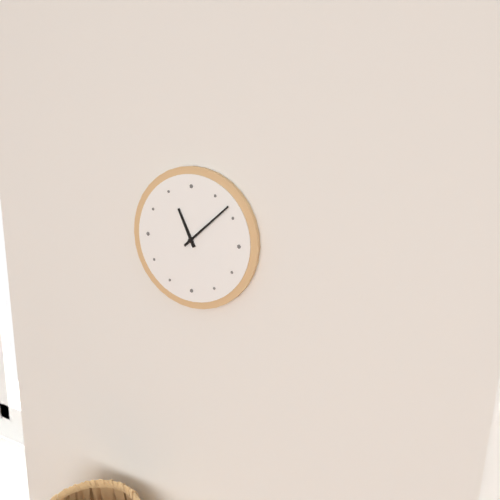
h=11 m=8
